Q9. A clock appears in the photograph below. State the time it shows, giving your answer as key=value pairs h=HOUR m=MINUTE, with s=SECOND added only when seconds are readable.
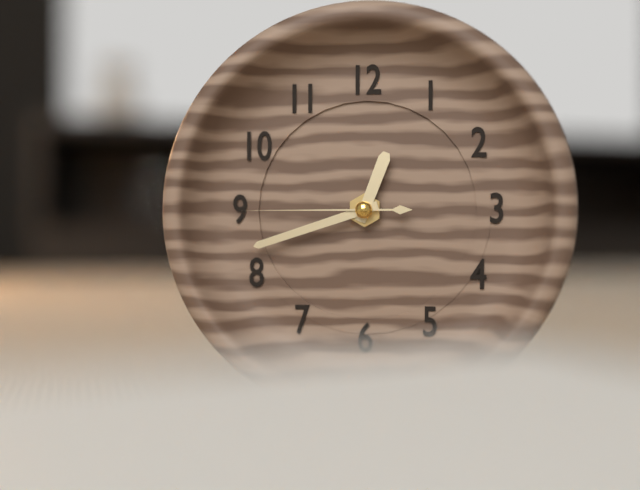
h=12 m=42 s=45
